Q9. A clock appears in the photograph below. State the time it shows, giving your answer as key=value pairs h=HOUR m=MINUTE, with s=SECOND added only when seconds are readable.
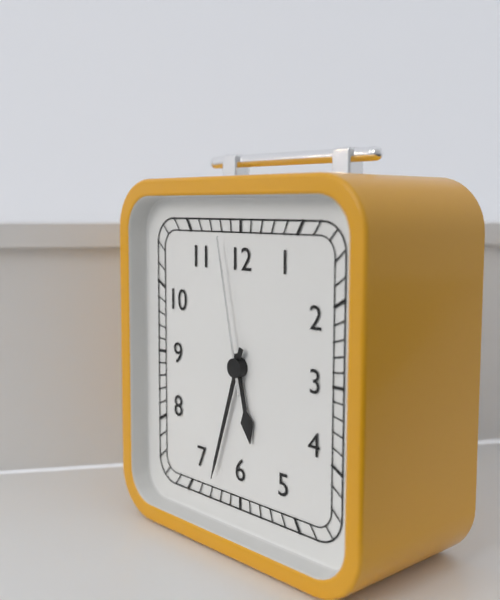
h=5 m=33 s=58
